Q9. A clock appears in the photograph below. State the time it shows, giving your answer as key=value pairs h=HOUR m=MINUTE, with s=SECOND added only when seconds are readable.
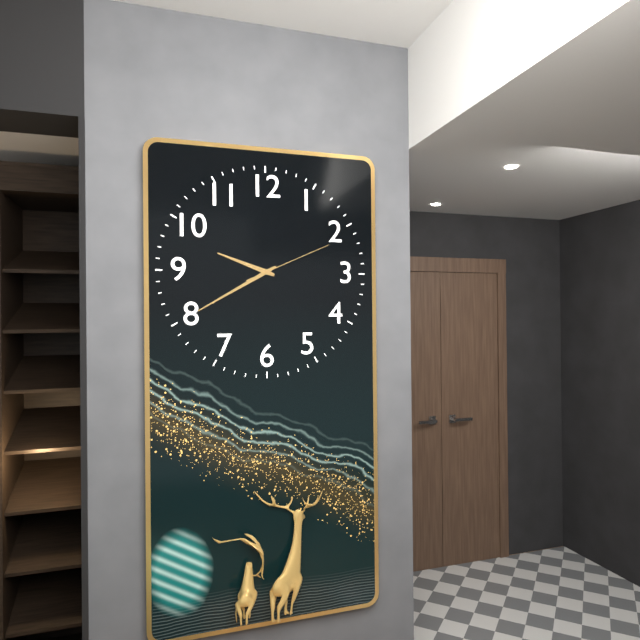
h=9 m=40 s=11
